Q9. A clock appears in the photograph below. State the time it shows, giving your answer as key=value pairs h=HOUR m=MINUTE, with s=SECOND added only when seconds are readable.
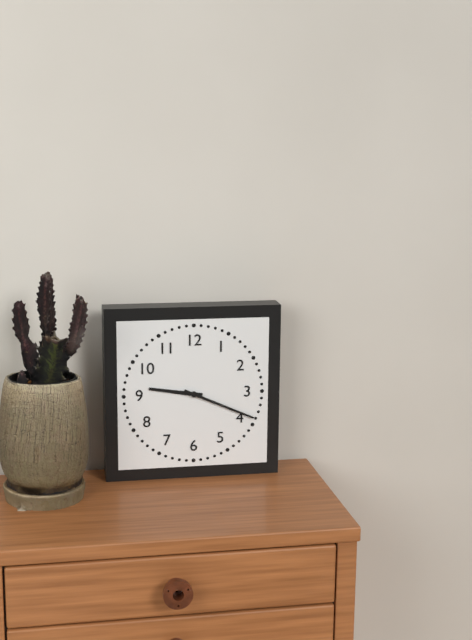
h=9 m=19
